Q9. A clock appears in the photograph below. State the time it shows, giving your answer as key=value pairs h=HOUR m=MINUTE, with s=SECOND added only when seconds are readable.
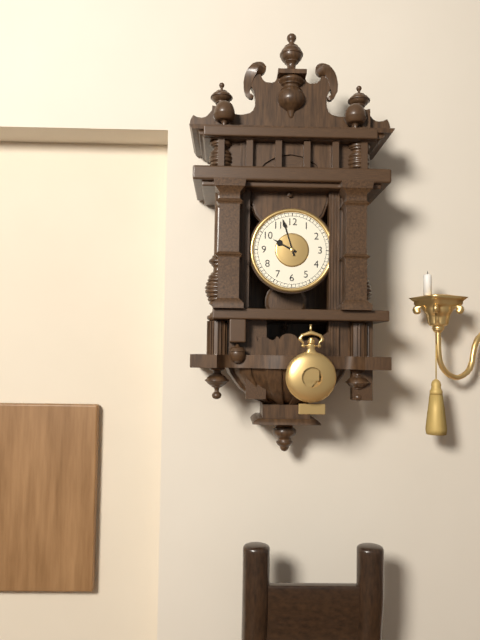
h=9 m=57
